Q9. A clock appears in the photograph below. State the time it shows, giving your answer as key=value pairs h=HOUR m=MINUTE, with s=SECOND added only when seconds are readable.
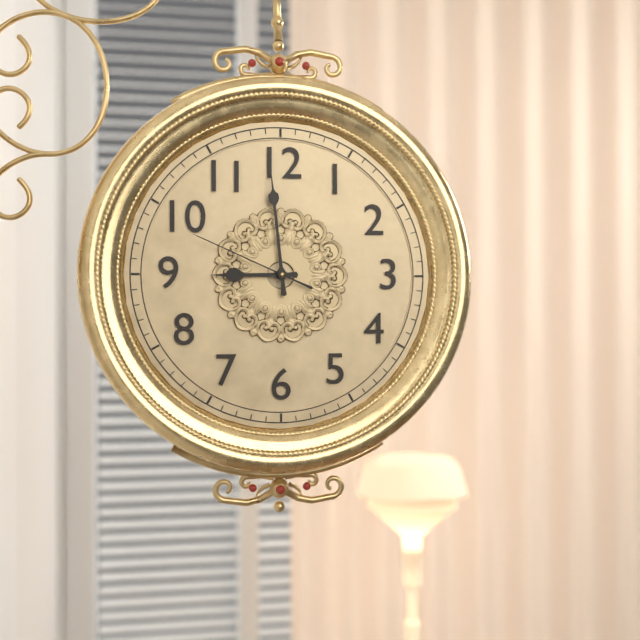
h=8 m=59 s=49
